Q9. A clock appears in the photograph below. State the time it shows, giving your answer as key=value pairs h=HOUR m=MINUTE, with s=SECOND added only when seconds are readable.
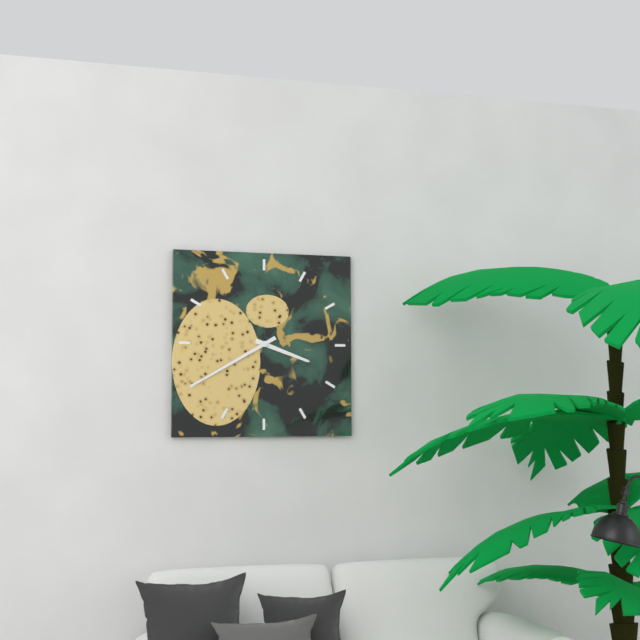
h=3 m=40
